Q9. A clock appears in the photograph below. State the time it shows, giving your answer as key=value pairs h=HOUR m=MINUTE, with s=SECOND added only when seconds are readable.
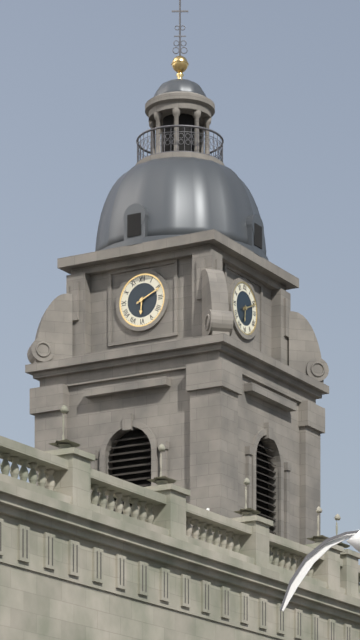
h=6 m=11
